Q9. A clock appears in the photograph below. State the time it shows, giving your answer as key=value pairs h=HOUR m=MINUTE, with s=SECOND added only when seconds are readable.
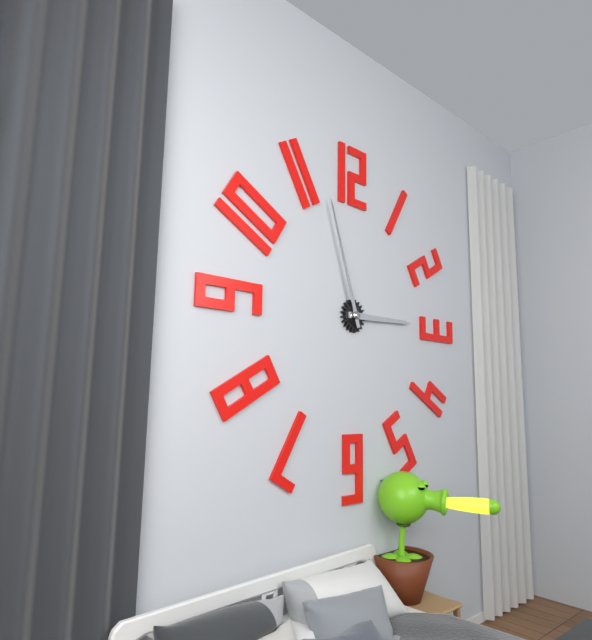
h=2 m=57
